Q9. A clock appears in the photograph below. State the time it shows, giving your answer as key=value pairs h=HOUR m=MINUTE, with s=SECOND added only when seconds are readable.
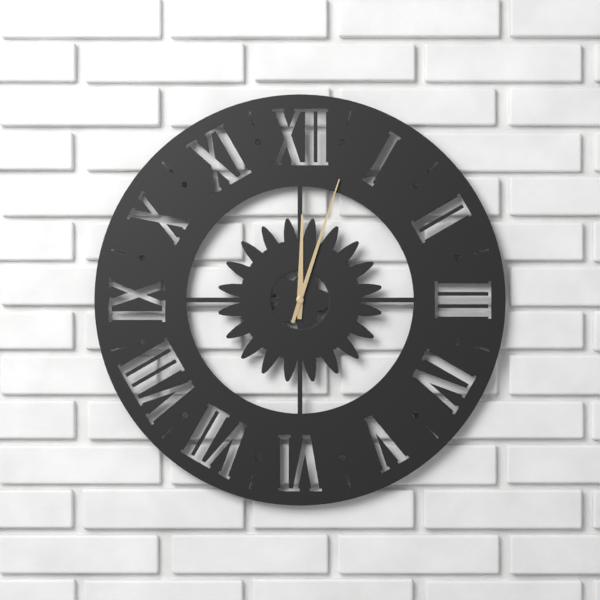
h=12 m=3
